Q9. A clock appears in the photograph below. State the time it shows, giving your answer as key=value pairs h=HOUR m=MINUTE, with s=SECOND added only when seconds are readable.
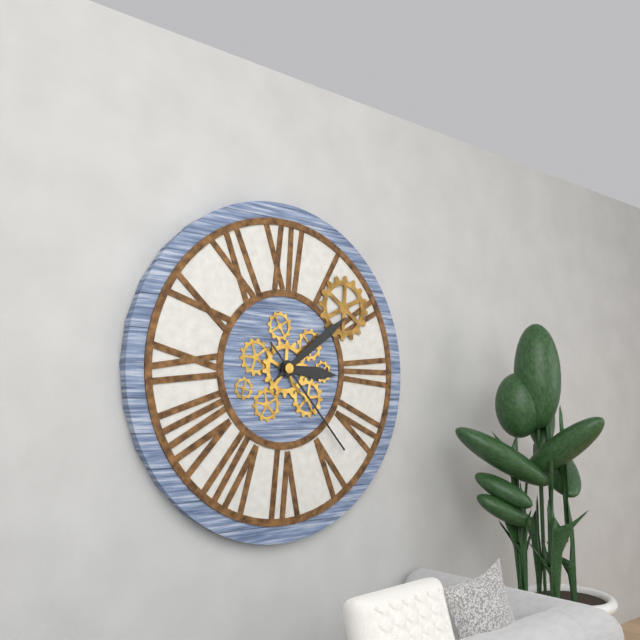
h=3 m=9 s=23
